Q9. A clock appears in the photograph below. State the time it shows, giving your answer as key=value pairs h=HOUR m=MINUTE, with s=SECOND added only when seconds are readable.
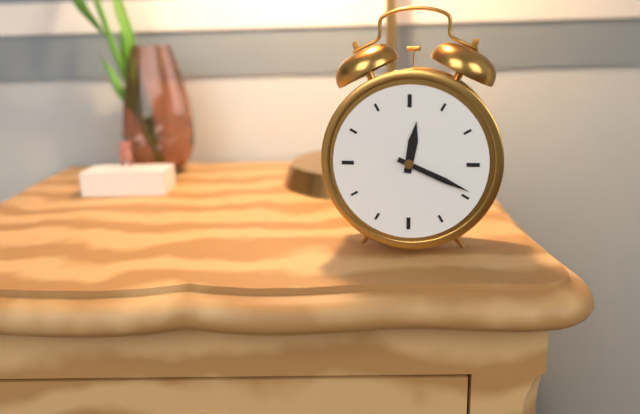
h=12 m=19
